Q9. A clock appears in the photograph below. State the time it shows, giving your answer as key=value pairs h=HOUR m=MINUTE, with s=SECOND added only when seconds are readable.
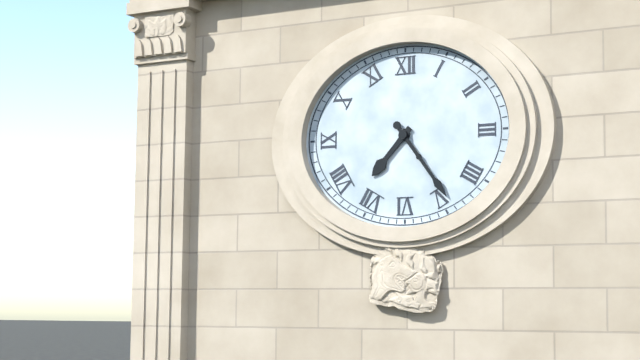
h=7 m=24
